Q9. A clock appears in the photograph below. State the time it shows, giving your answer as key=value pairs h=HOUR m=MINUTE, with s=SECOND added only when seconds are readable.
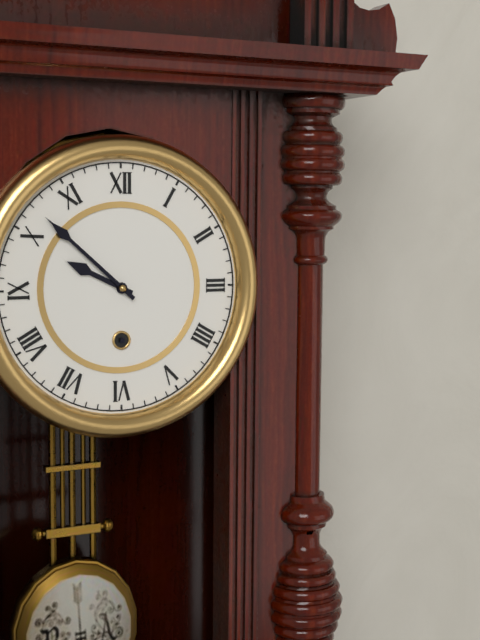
h=9 m=52
